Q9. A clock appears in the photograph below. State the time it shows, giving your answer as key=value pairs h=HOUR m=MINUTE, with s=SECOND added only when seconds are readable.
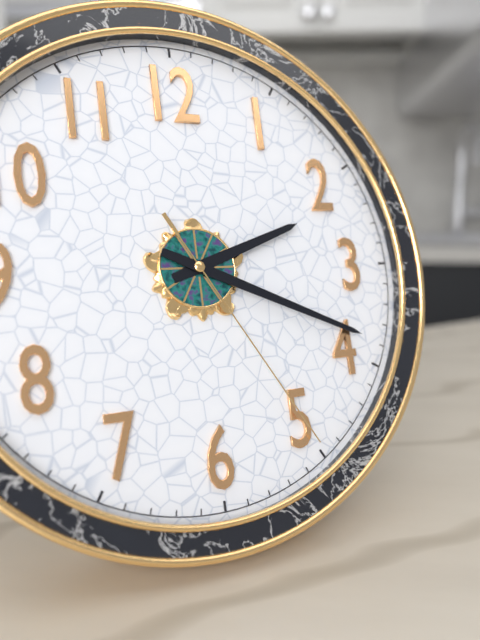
h=2 m=19 s=25
